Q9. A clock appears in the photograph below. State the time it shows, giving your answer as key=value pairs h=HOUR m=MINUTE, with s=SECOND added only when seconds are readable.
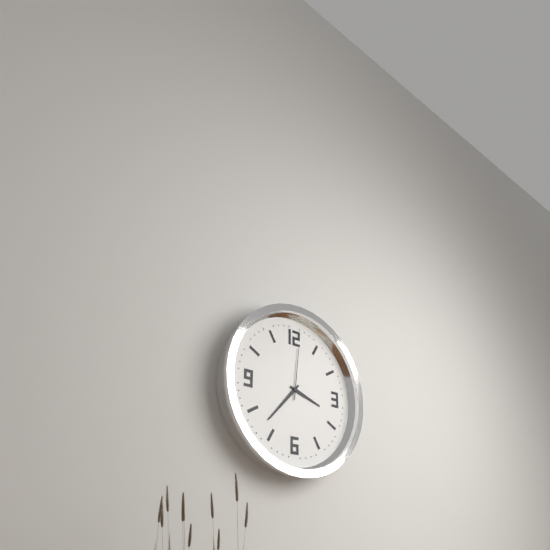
h=3 m=37 s=1
